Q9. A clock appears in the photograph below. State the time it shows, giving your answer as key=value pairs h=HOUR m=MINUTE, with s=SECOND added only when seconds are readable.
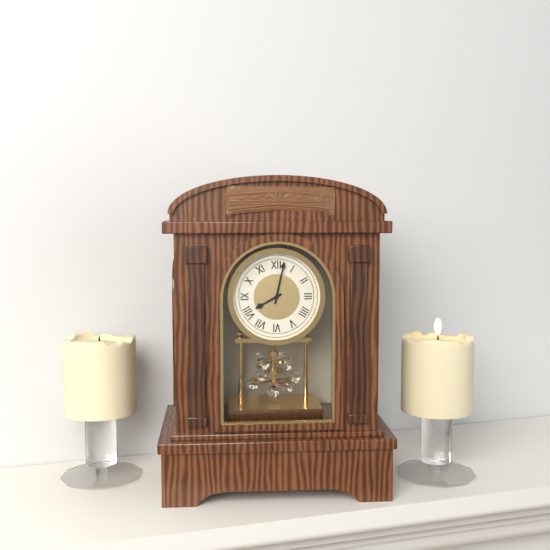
h=8 m=2
